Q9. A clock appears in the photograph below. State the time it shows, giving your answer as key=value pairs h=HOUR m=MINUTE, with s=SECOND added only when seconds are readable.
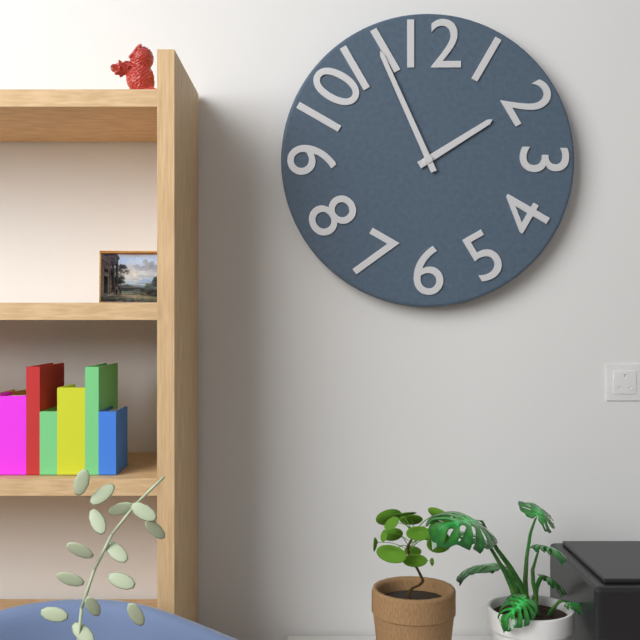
h=1 m=56
